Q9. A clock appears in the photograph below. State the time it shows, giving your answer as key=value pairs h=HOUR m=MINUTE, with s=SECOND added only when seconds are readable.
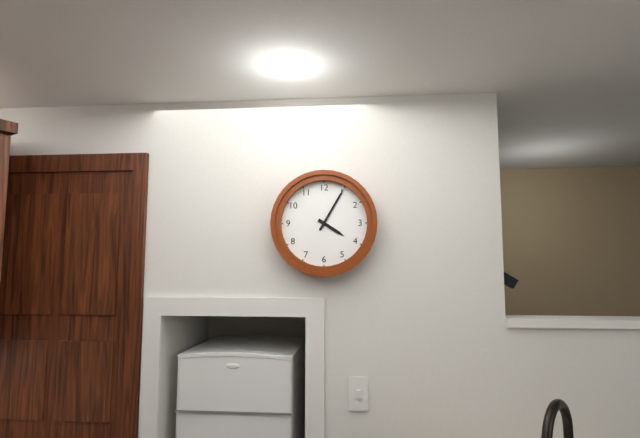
h=4 m=5
